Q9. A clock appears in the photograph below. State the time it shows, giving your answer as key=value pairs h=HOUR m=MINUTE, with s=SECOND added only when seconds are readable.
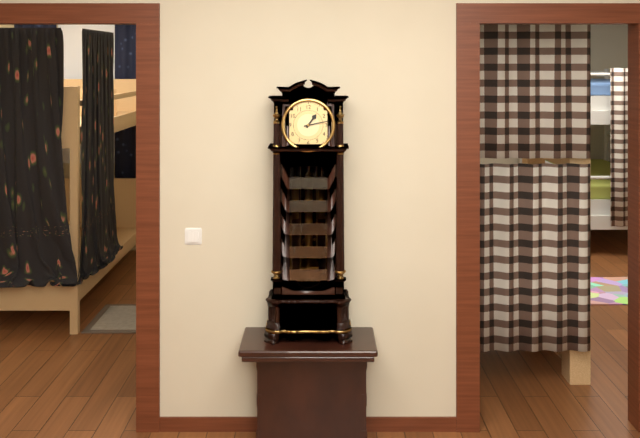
h=1 m=13
